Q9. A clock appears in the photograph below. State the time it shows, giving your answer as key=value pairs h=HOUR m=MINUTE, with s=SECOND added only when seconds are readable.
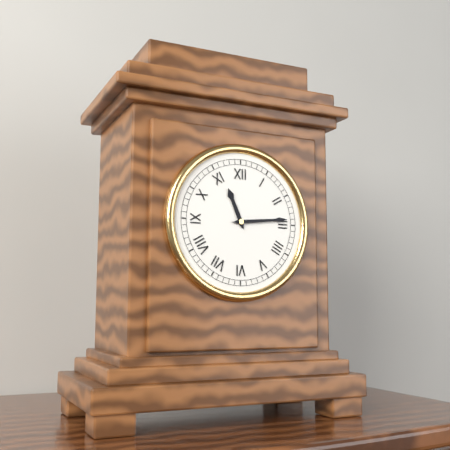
h=11 m=14
